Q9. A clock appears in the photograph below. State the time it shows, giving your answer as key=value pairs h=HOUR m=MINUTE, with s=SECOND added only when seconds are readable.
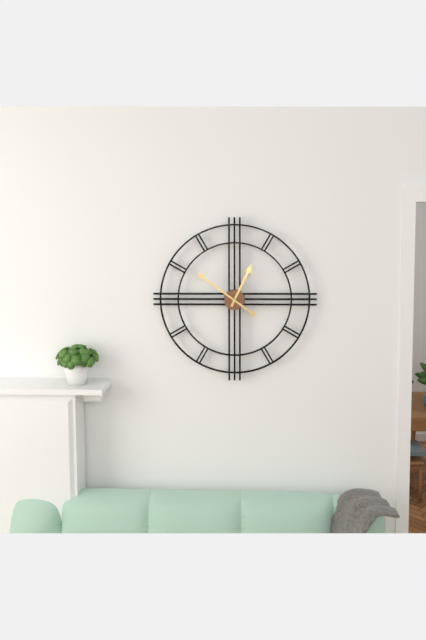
h=12 m=51
